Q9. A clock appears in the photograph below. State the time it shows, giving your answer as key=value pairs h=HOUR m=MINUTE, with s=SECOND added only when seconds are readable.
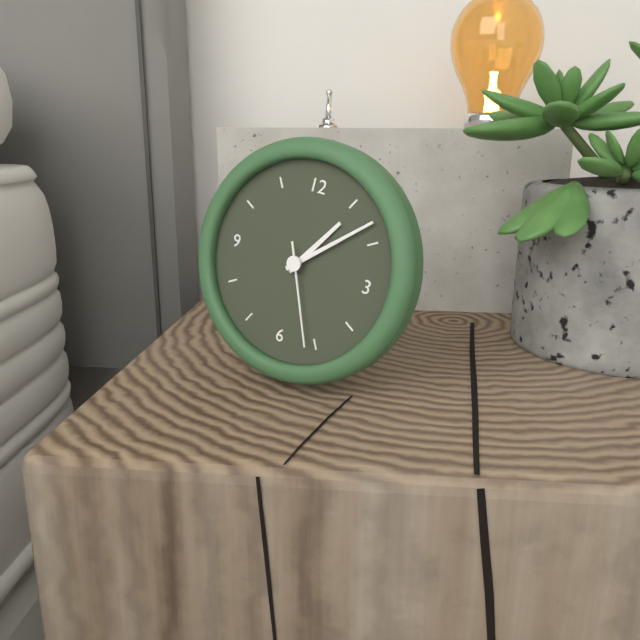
h=1 m=8 s=26
